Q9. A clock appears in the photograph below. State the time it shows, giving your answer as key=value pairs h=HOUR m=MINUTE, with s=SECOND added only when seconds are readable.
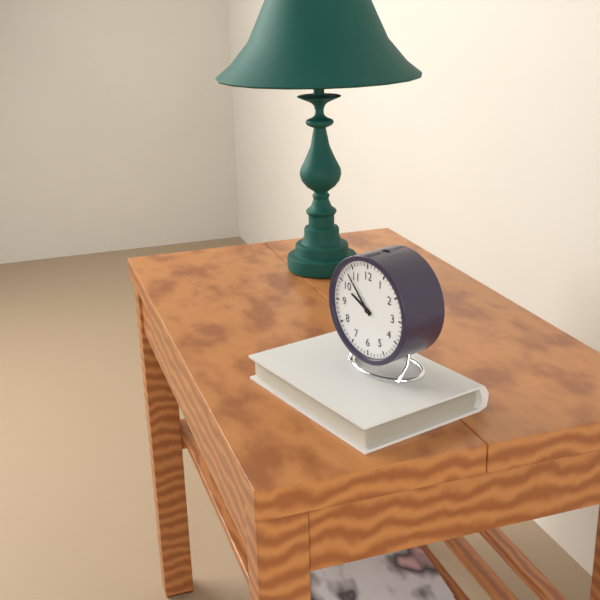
h=9 m=53
